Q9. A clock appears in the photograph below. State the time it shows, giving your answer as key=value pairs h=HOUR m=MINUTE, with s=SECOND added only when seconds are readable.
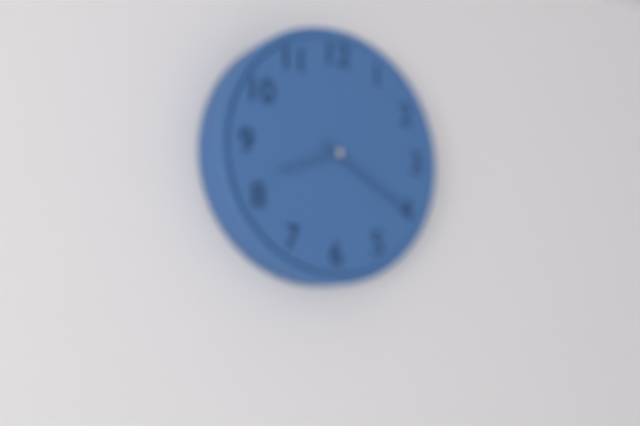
h=8 m=20
